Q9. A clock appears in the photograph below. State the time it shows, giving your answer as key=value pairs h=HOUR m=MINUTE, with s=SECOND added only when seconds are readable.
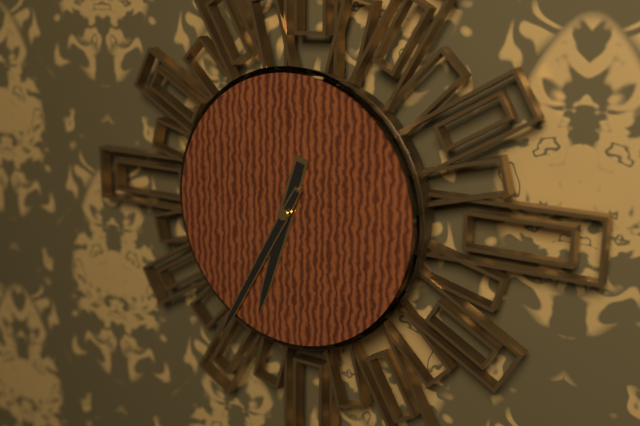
h=6 m=35
